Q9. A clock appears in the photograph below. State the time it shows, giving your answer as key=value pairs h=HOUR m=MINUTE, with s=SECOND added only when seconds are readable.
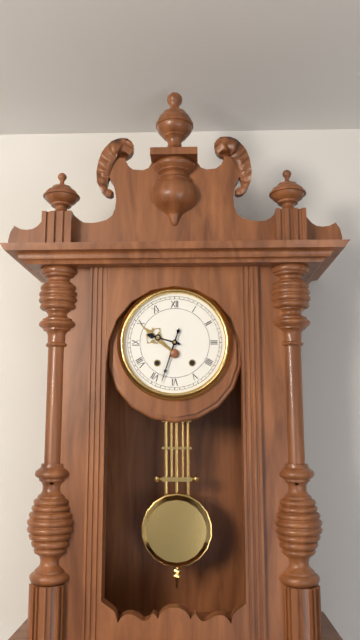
h=9 m=33
